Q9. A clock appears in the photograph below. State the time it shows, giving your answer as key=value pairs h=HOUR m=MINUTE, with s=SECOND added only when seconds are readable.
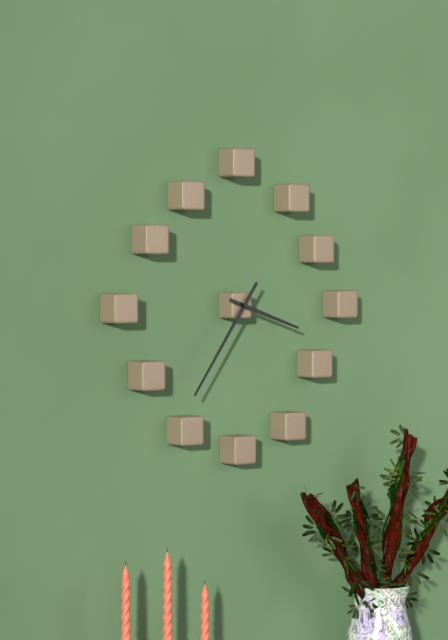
h=3 m=36
